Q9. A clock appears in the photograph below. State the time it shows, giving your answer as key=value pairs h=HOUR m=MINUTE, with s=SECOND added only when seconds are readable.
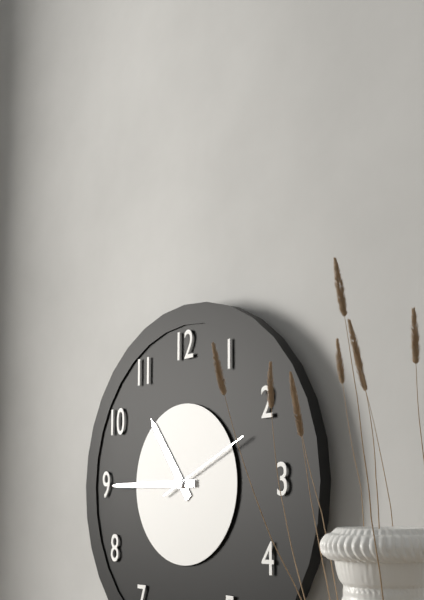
h=10 m=45 s=11
